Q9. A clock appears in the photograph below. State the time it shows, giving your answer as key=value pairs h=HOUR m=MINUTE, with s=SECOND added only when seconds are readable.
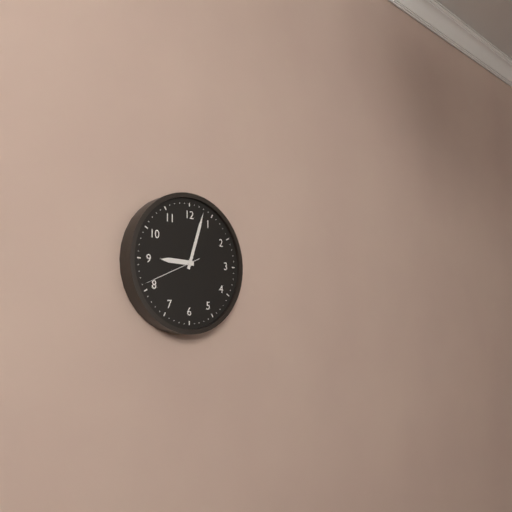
h=9 m=3 s=41
